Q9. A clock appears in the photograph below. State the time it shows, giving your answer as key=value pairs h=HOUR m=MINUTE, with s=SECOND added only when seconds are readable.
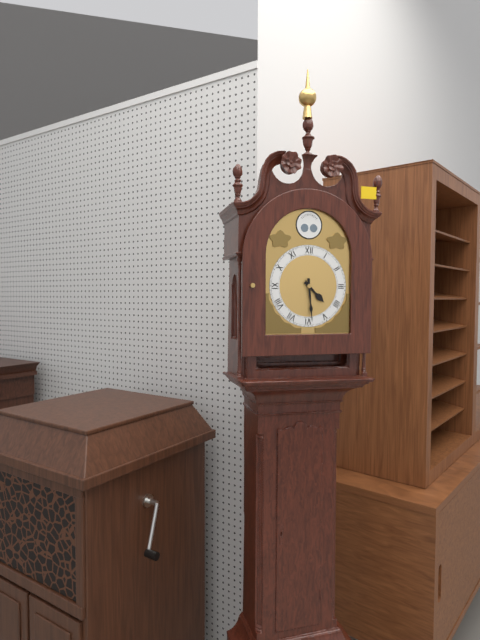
h=4 m=29
